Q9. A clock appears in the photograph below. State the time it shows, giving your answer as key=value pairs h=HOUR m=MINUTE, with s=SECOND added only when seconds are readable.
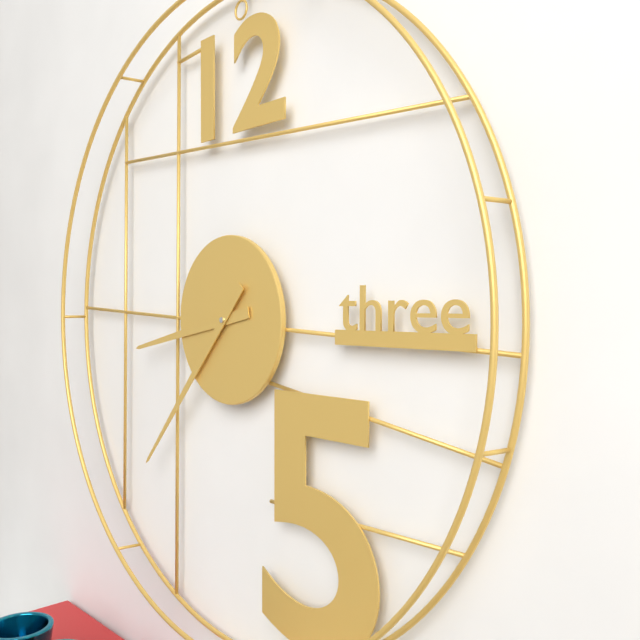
h=8 m=37
